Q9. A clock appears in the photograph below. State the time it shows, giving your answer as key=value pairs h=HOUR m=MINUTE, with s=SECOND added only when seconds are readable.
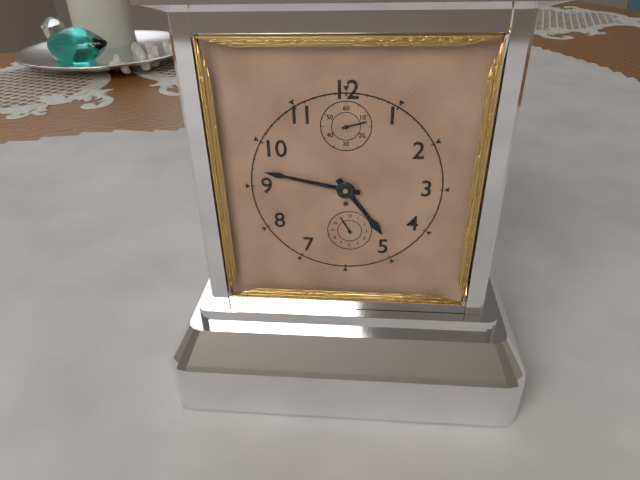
h=4 m=47
